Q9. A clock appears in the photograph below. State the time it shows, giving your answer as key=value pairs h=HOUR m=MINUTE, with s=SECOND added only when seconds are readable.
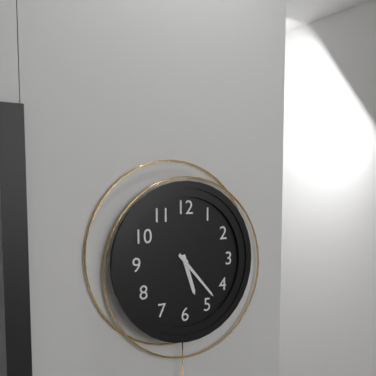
h=5 m=23
